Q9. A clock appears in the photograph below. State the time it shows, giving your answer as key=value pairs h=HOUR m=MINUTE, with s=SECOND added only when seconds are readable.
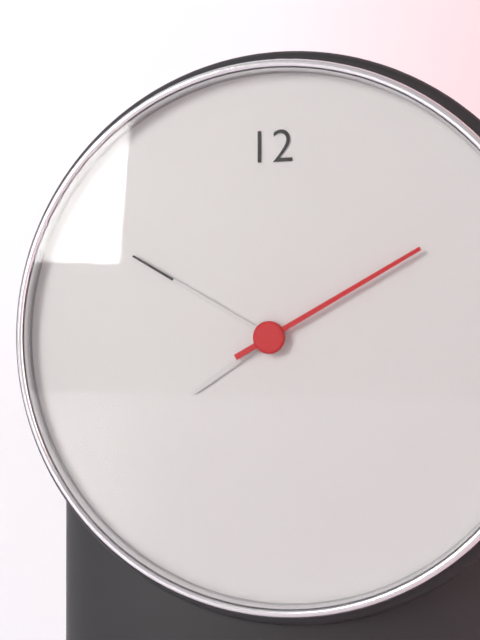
h=7 m=50 s=10
